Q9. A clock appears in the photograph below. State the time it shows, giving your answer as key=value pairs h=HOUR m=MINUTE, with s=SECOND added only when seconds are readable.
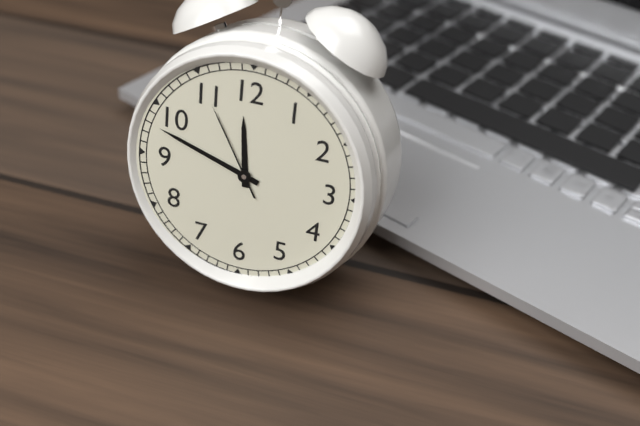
h=11 m=48 s=55
